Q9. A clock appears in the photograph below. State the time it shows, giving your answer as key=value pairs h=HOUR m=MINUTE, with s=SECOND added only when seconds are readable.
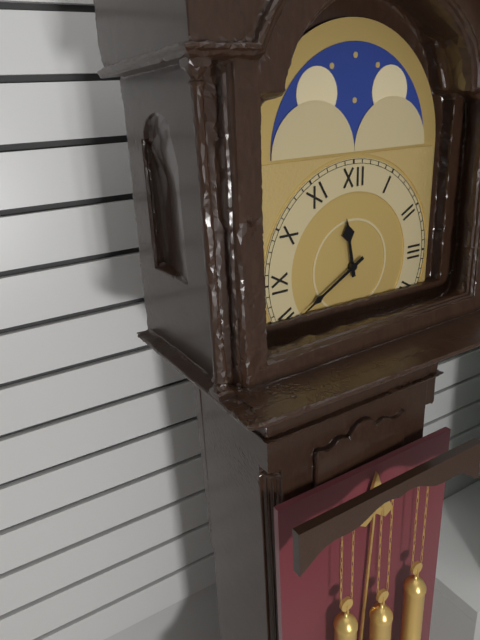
h=11 m=40
